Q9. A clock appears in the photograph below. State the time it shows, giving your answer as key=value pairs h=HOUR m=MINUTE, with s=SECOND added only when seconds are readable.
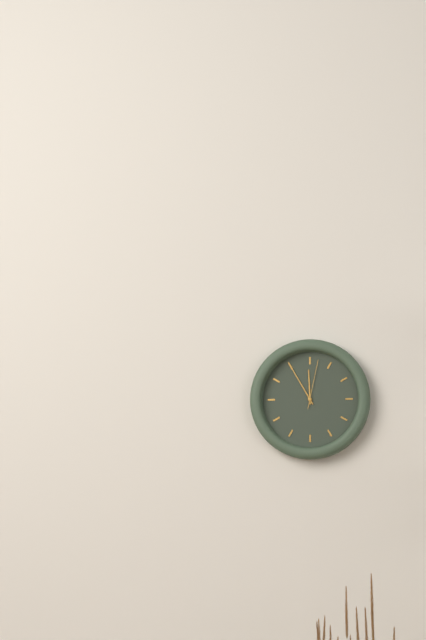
h=11 m=55 s=2
